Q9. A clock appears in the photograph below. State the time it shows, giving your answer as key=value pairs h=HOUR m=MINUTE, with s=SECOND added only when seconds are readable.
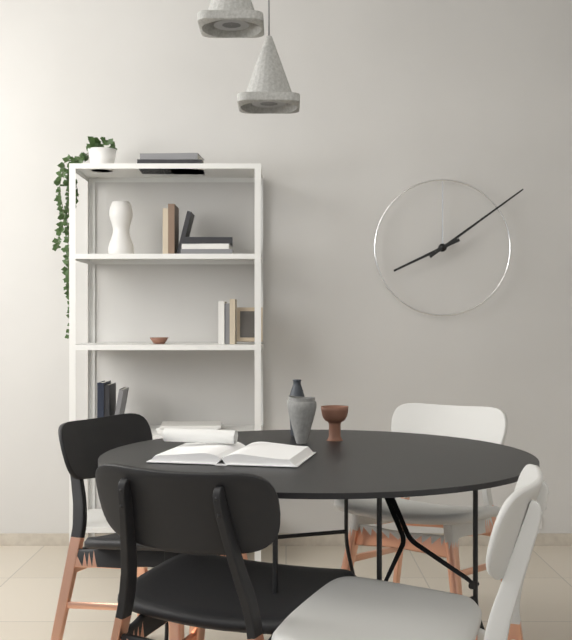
h=8 m=9
